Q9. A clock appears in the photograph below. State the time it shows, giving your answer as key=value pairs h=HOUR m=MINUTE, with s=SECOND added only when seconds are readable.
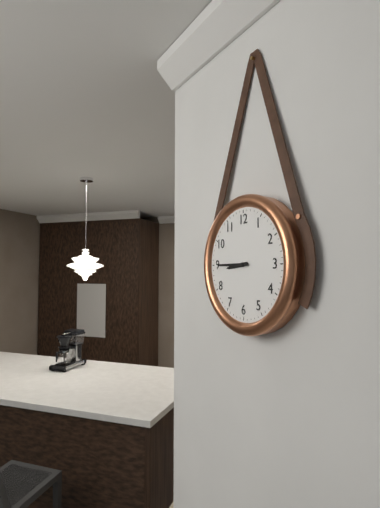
h=8 m=45
